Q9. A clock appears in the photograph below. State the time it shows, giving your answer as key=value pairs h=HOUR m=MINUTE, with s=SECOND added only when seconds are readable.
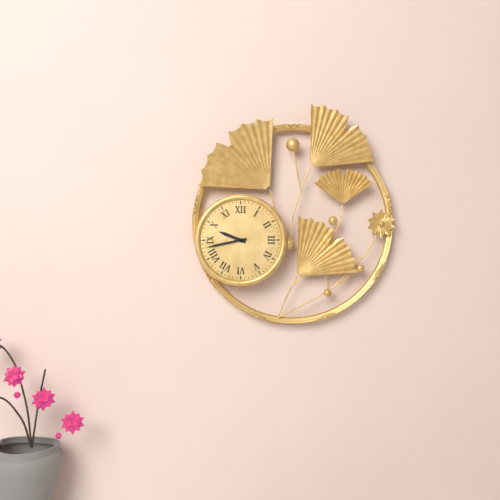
h=9 m=43
